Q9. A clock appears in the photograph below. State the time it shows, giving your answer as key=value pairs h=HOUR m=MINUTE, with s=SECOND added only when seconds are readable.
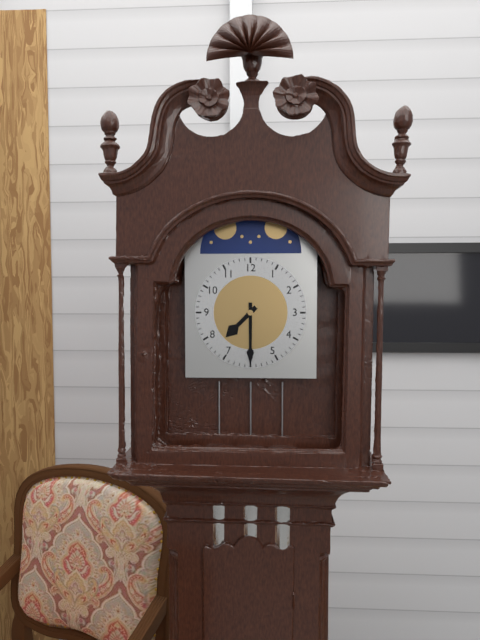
h=7 m=30
